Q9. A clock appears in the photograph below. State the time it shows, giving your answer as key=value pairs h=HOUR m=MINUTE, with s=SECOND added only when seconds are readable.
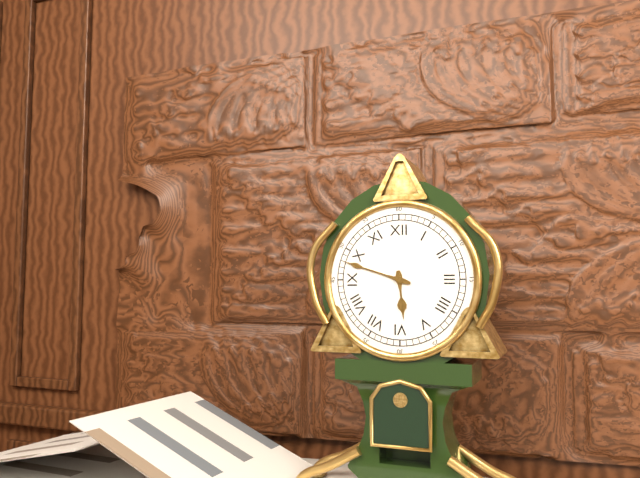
h=5 m=48
